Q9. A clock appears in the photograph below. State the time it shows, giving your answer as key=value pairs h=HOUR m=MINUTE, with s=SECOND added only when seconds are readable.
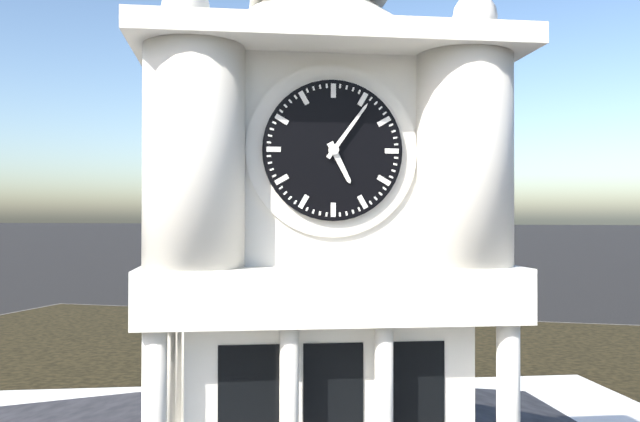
h=5 m=6
